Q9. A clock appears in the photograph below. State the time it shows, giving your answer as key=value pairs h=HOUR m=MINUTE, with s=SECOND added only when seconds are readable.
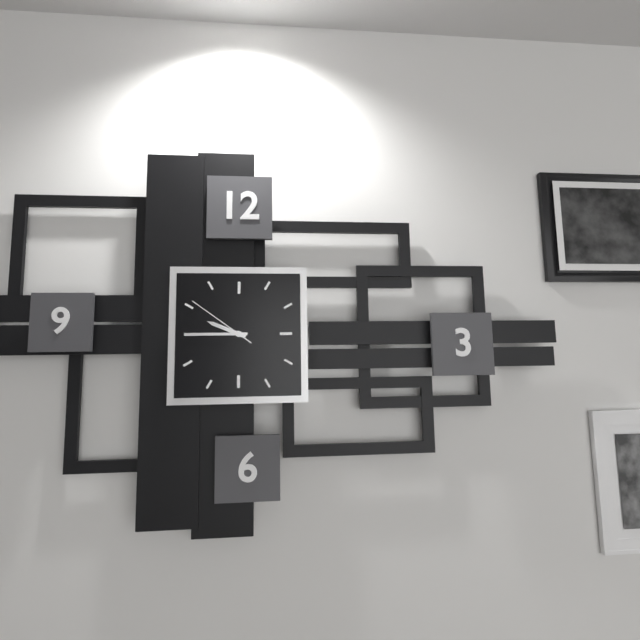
h=9 m=45 s=51
